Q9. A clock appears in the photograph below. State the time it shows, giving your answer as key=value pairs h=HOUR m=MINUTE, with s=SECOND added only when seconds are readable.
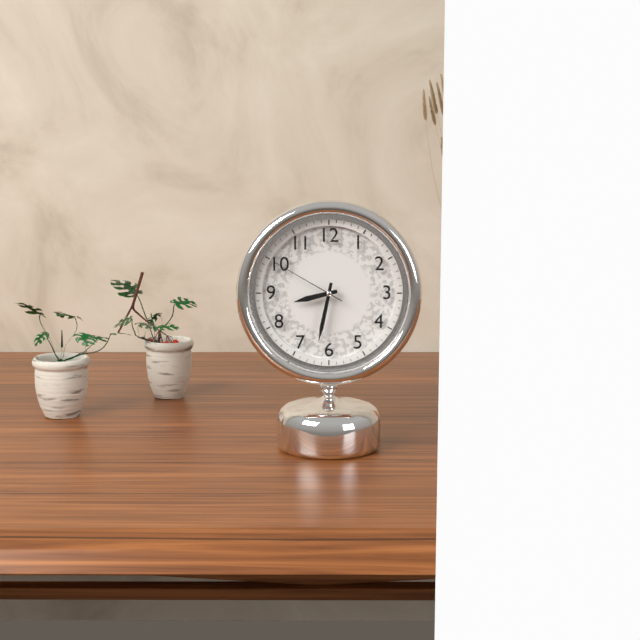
h=8 m=32 s=50
